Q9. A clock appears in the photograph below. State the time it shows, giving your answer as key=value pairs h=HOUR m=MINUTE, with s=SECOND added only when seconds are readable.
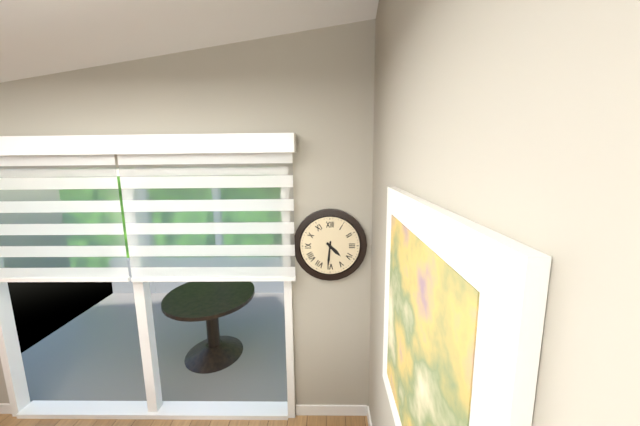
h=4 m=31
